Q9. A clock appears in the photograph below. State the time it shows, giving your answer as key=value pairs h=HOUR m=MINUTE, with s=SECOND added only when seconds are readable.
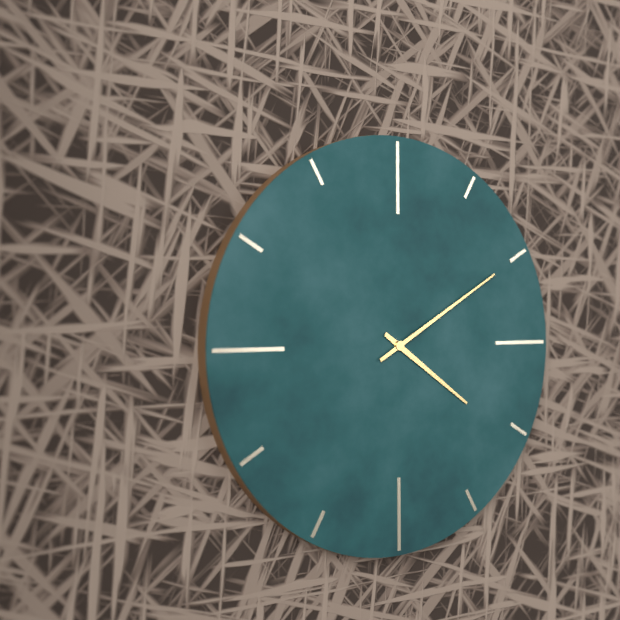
h=4 m=10
